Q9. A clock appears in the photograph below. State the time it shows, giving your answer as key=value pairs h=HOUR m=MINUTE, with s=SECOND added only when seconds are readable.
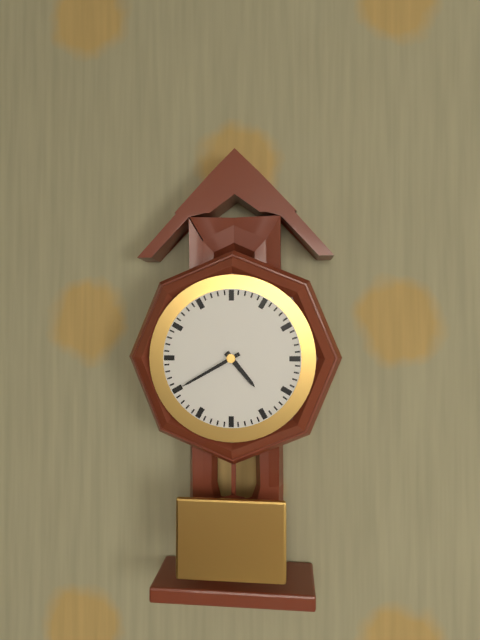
h=4 m=40
